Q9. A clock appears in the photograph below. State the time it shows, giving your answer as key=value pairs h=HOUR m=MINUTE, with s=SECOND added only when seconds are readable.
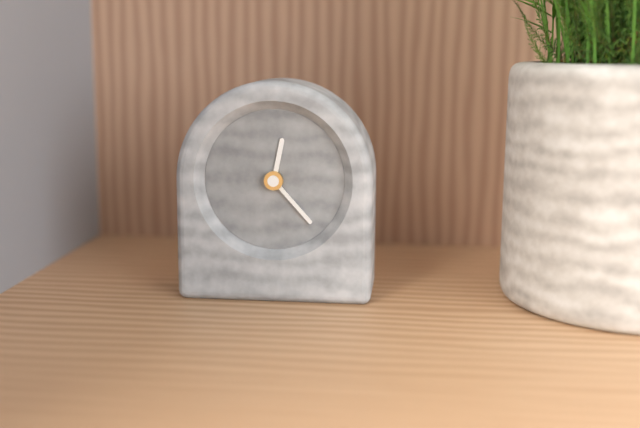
h=12 m=23
